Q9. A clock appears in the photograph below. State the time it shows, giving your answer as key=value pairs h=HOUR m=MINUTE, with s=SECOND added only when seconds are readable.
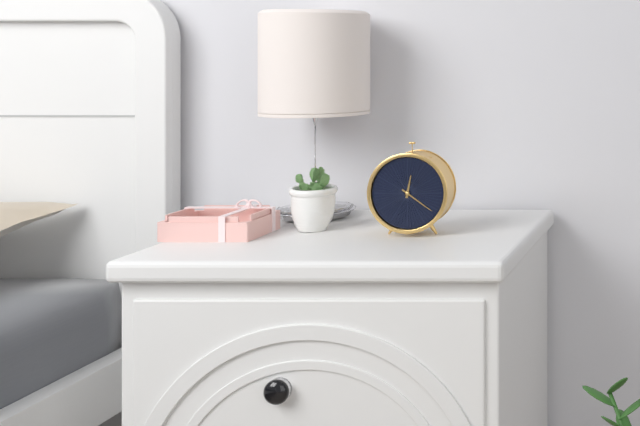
h=12 m=21
